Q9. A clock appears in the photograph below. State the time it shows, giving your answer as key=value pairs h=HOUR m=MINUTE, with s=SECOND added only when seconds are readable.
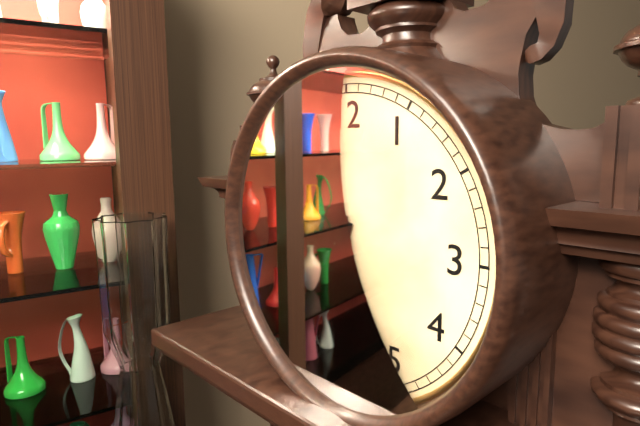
h=6 m=31
